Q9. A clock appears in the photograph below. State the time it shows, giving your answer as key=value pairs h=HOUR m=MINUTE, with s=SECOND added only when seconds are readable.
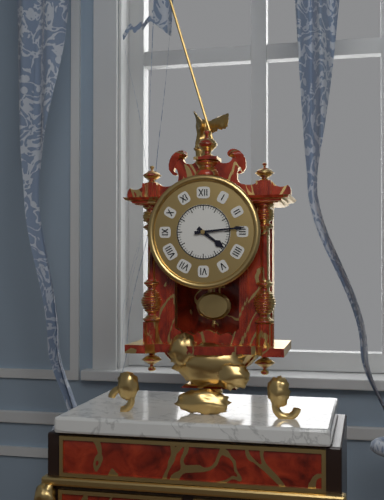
h=4 m=14
